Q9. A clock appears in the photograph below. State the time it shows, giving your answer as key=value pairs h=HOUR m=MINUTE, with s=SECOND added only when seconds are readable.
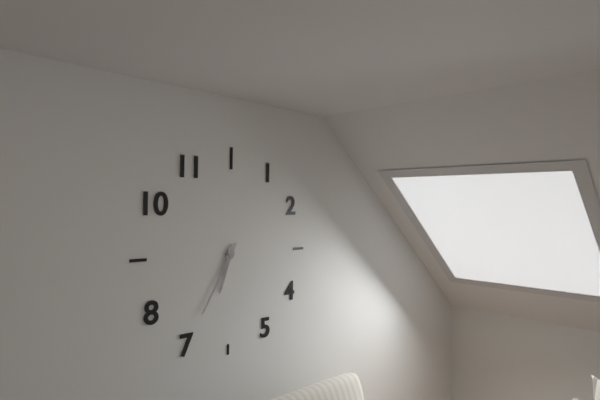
h=6 m=35
